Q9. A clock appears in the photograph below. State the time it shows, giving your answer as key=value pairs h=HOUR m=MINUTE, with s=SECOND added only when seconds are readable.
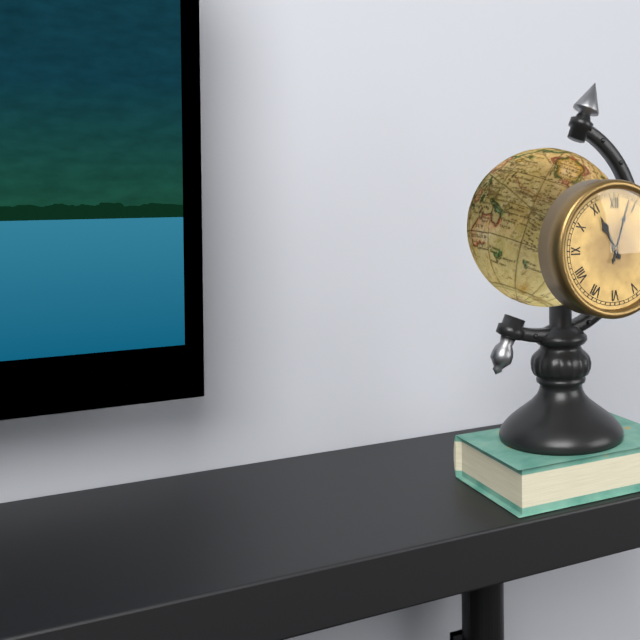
h=11 m=3
